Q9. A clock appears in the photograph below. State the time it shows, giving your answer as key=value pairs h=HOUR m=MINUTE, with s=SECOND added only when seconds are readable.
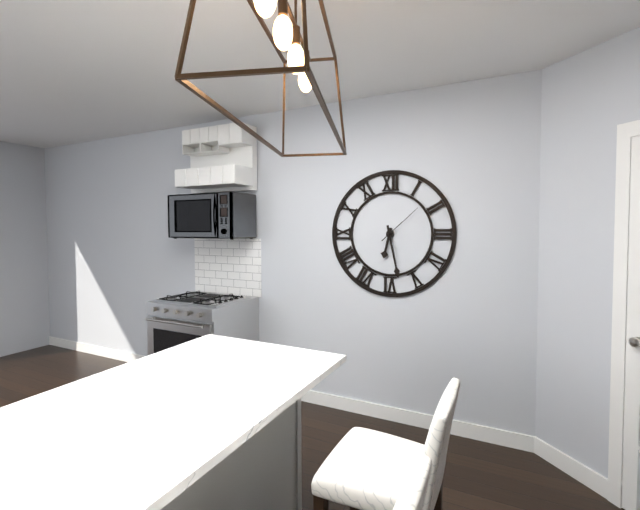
h=6 m=28
